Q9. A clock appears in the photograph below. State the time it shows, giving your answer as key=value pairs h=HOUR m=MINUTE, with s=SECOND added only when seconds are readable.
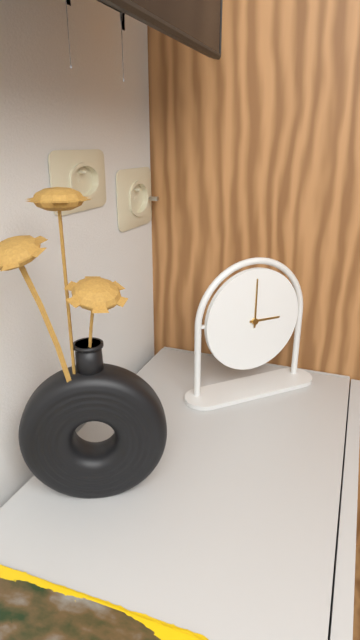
h=3 m=0
